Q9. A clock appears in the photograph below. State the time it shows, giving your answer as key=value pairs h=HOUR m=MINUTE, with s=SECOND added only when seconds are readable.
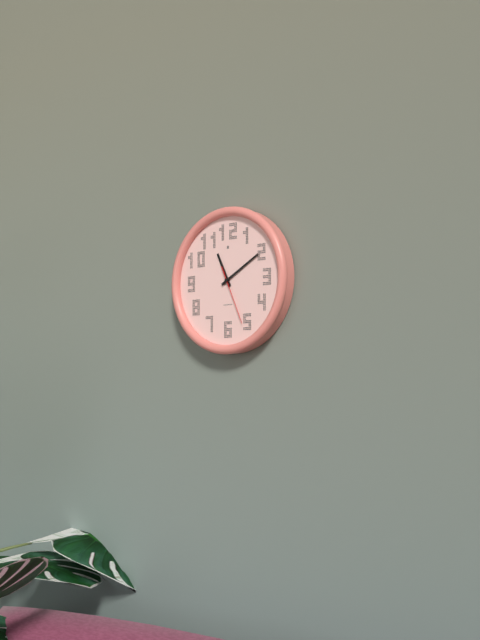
h=11 m=10 s=26
